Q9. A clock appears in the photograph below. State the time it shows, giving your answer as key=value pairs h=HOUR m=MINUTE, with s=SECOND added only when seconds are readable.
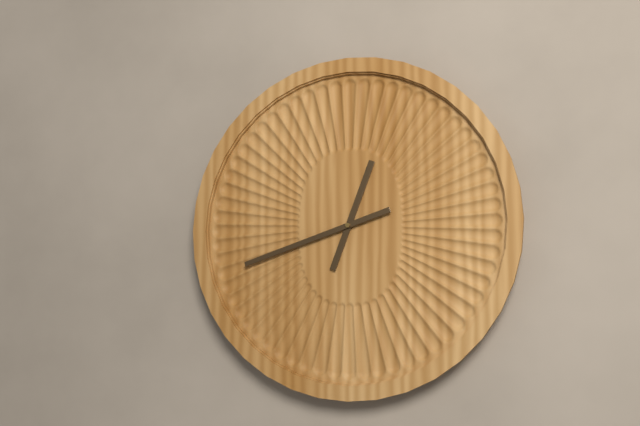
h=12 m=42
